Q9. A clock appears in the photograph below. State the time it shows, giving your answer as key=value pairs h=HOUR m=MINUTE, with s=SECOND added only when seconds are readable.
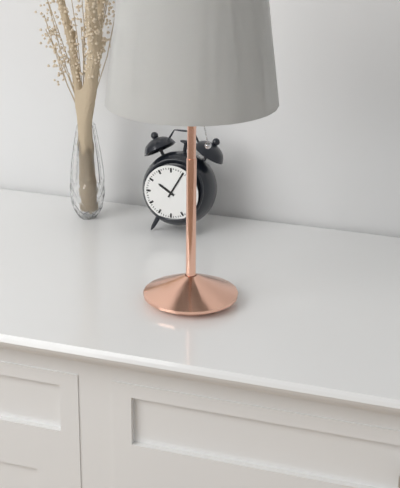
h=10 m=5
